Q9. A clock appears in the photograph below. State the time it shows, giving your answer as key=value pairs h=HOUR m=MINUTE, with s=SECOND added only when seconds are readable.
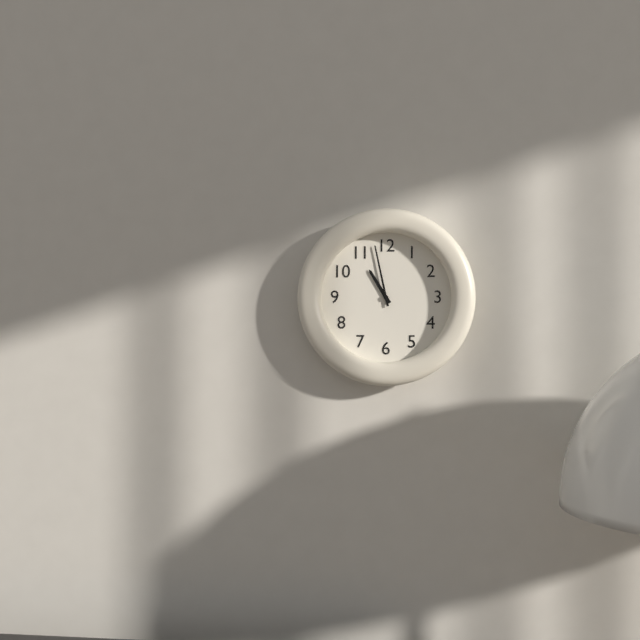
h=10 m=58
